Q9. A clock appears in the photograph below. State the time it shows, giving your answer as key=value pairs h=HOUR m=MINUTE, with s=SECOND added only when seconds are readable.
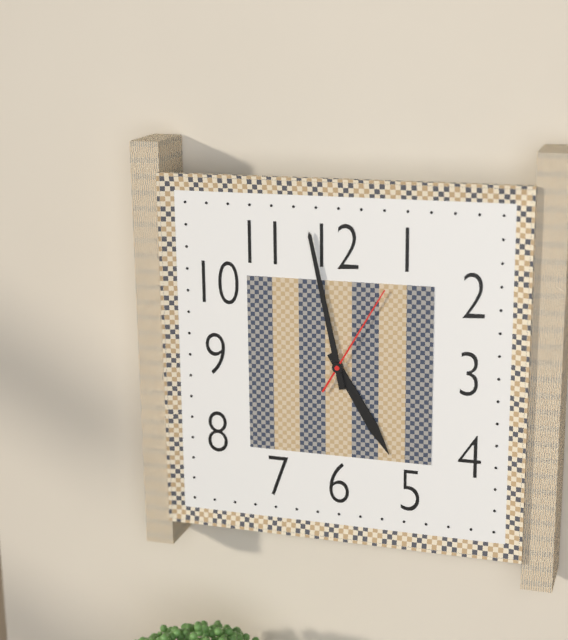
h=4 m=58 s=5
